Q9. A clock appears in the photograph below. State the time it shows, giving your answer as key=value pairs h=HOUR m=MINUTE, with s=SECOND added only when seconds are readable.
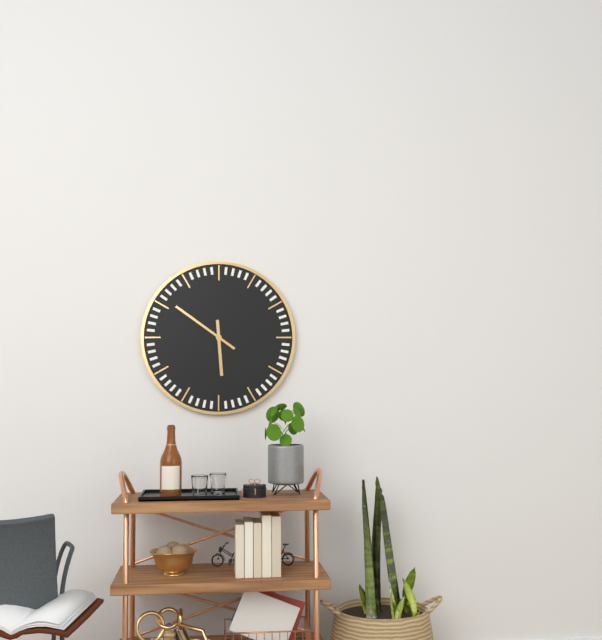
h=5 m=51
